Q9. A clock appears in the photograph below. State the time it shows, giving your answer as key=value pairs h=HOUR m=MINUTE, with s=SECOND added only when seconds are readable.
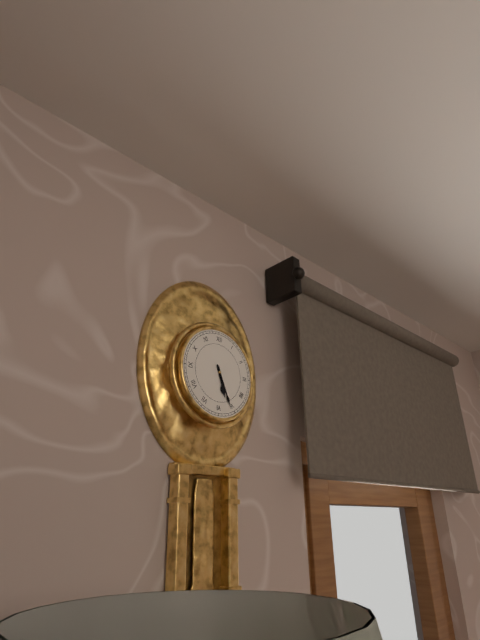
h=5 m=26
